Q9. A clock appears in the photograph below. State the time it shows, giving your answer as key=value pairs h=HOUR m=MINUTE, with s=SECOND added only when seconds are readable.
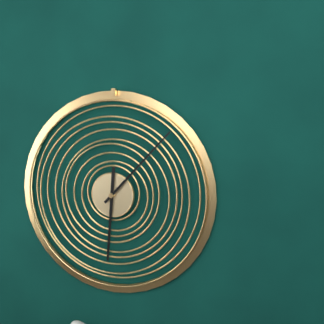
h=6 m=7
